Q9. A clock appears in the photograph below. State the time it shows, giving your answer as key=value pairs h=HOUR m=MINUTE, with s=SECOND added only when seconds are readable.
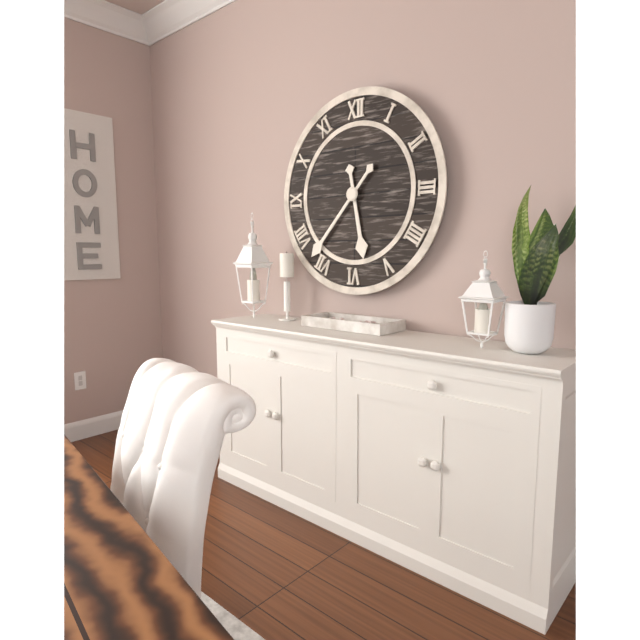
h=5 m=37
